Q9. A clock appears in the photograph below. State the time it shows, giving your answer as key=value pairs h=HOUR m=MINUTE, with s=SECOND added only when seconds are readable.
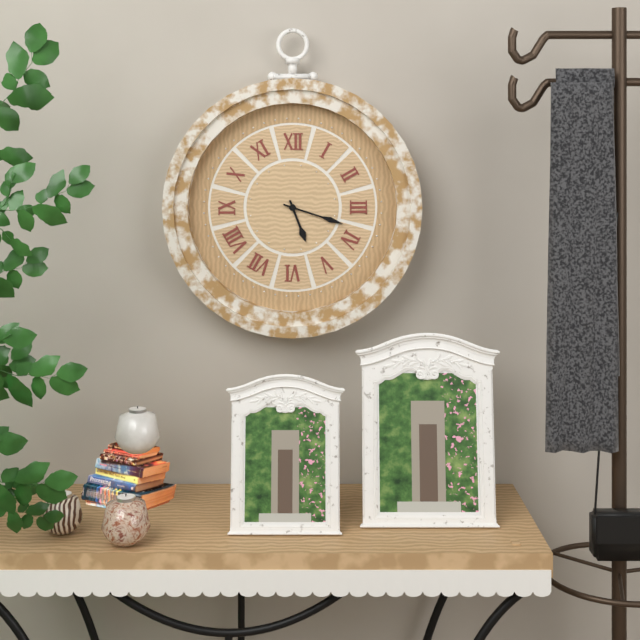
h=5 m=18
